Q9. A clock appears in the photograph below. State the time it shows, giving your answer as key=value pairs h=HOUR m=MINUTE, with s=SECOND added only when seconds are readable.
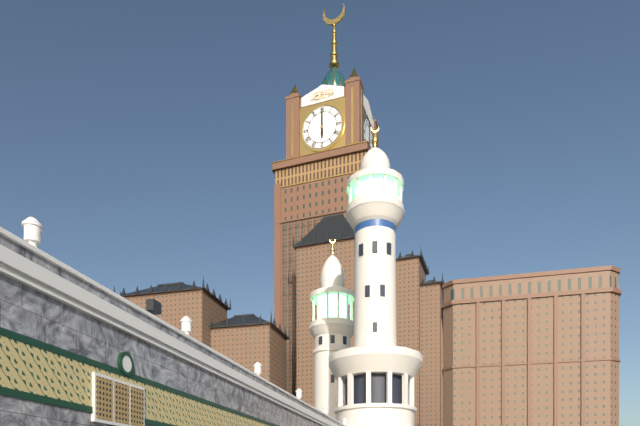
h=6 m=0
